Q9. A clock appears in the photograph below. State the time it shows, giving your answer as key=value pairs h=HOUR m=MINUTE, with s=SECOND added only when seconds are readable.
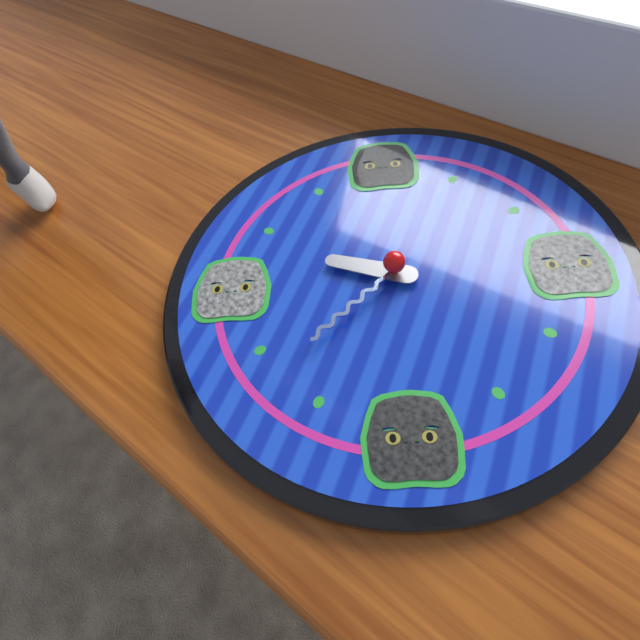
h=9 m=38
